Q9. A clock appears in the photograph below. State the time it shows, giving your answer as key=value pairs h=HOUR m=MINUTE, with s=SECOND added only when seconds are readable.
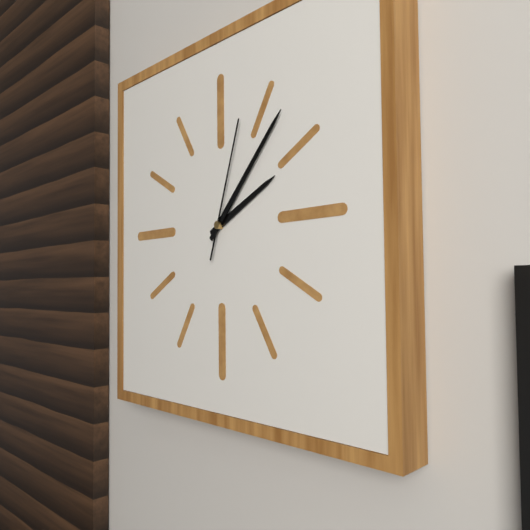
h=2 m=7 s=3
